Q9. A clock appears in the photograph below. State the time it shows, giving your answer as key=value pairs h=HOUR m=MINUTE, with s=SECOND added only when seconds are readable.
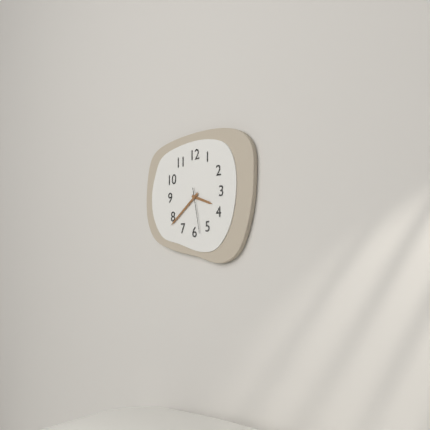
h=3 m=39
